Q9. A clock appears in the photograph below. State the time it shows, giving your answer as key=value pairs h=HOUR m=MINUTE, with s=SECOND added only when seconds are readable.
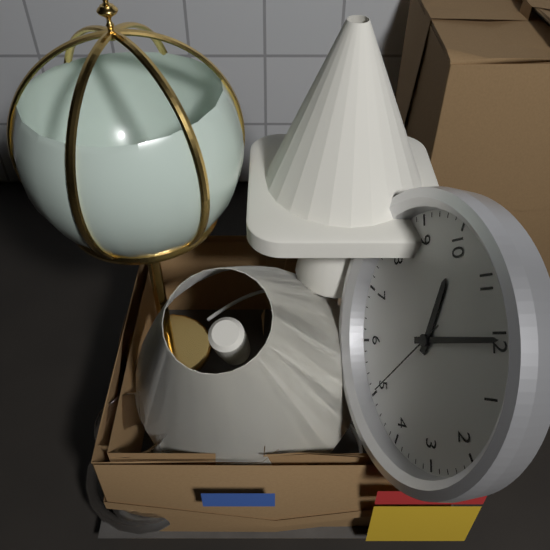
h=10 m=0 s=25
